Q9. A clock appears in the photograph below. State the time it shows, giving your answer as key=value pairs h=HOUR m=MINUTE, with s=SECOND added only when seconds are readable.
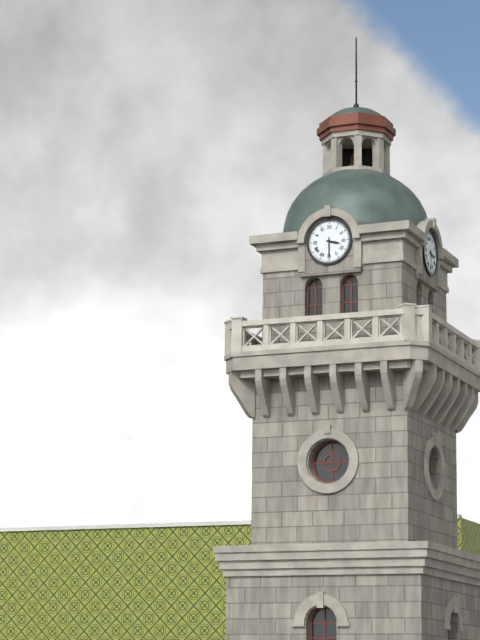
h=3 m=30
